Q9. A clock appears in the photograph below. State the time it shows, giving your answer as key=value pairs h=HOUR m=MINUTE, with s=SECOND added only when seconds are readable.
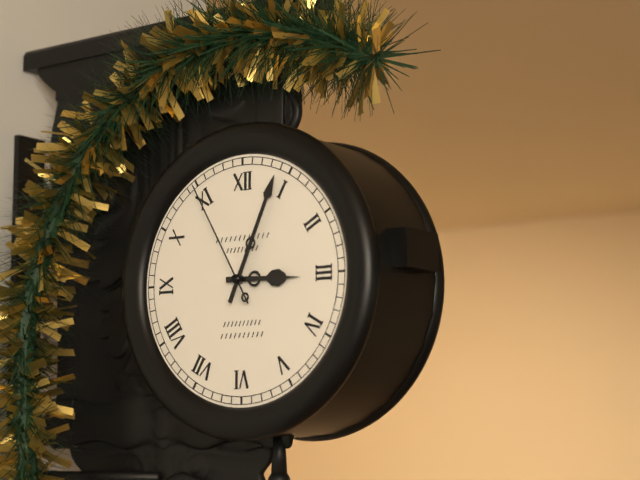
h=3 m=4 s=55
